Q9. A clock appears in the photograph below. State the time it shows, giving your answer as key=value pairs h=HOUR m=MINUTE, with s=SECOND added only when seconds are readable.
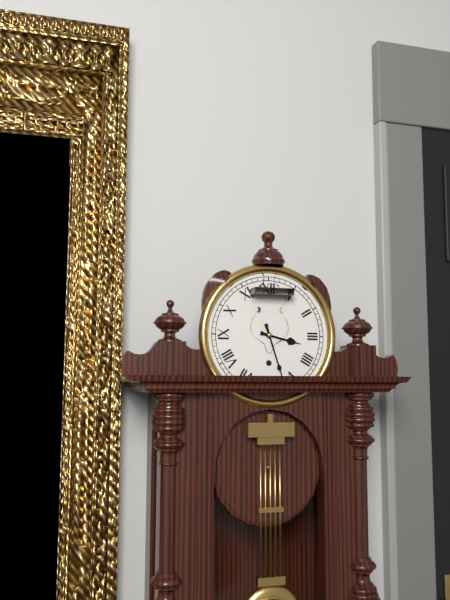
h=3 m=27
